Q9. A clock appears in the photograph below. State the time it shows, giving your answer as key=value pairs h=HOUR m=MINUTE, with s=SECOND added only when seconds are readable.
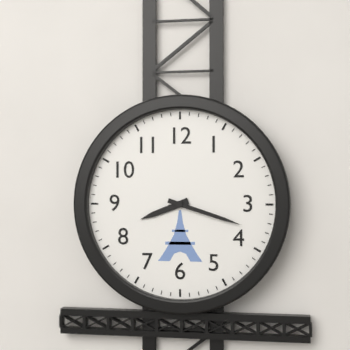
h=8 m=18
